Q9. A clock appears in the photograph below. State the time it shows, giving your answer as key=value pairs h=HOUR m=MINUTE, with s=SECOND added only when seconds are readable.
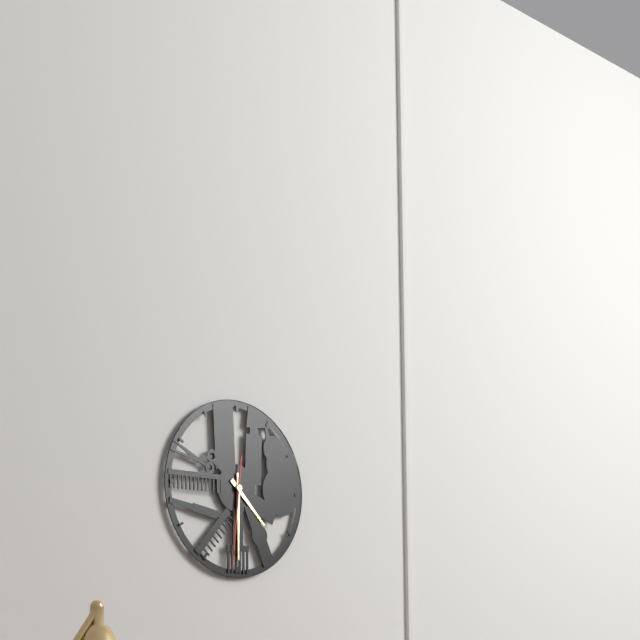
h=4 m=30 s=31
